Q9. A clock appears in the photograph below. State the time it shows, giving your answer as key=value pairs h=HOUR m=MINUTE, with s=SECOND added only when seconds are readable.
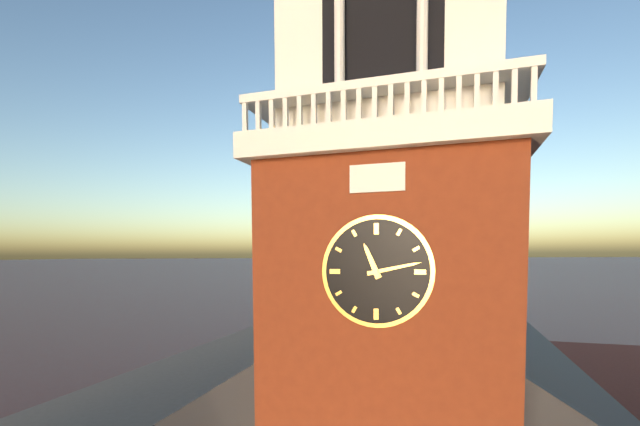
h=11 m=13
